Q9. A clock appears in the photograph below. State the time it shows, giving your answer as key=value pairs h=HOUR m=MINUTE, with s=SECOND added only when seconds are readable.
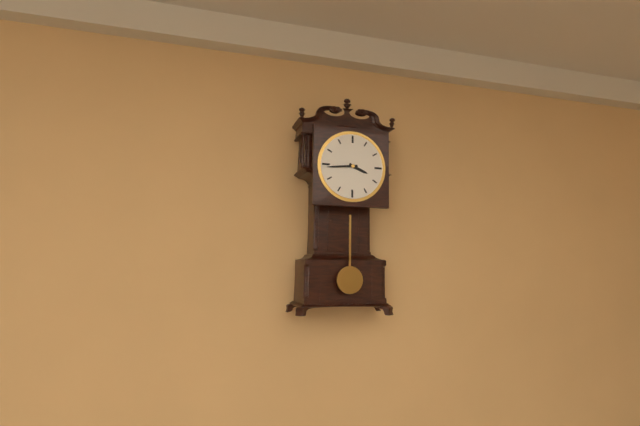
h=3 m=44
